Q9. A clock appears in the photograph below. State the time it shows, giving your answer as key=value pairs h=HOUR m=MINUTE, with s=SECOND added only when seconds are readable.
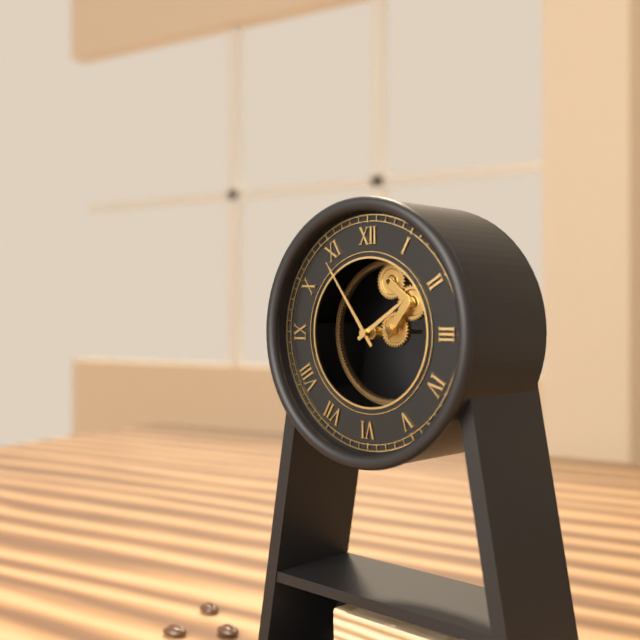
h=1 m=54
